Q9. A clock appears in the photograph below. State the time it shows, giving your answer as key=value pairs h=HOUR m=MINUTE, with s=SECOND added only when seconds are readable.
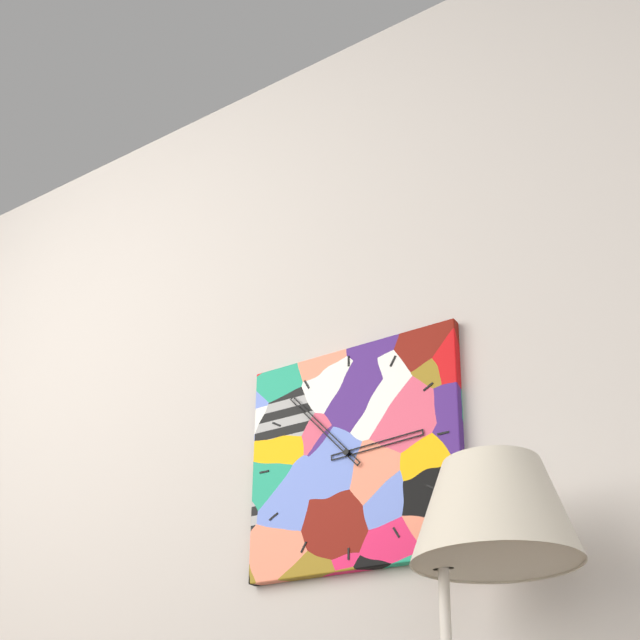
h=2 m=53
